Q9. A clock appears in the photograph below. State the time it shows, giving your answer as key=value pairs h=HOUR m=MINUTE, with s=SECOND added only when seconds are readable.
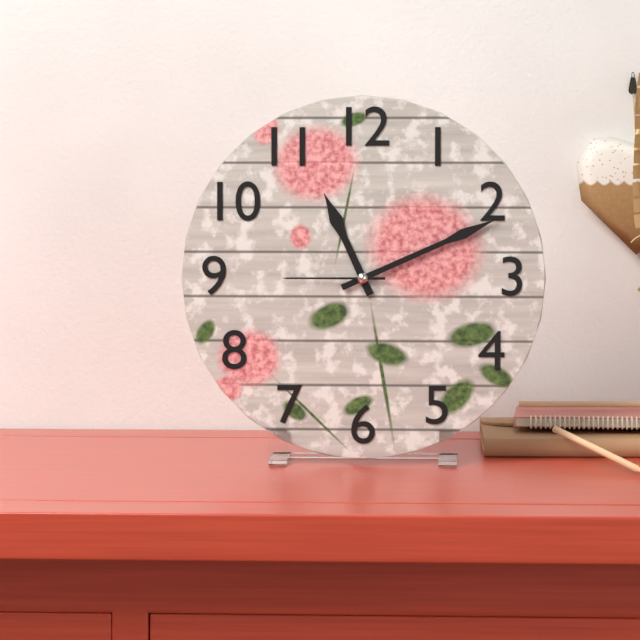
h=11 m=11 s=45
